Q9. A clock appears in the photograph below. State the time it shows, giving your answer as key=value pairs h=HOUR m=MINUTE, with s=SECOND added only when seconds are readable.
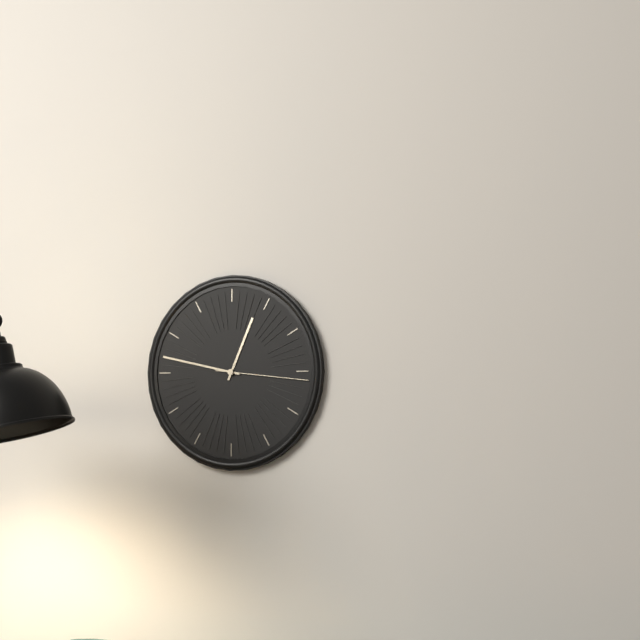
h=12 m=47 s=16
